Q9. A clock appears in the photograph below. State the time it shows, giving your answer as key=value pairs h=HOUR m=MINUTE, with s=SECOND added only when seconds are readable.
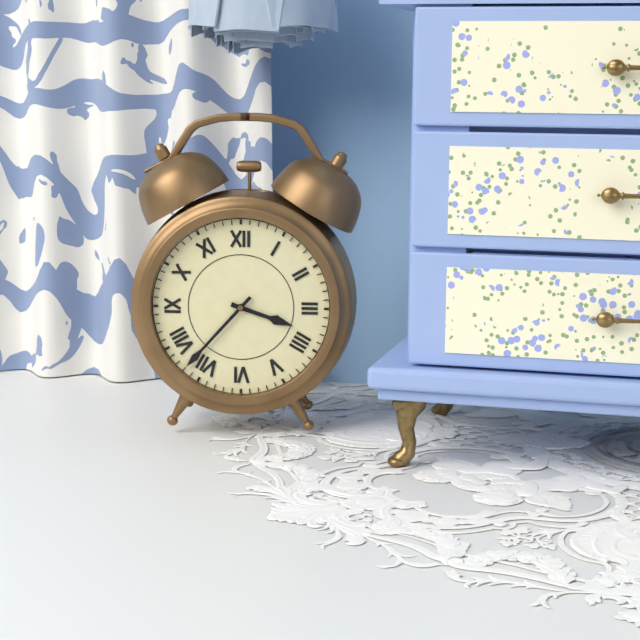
h=3 m=37
